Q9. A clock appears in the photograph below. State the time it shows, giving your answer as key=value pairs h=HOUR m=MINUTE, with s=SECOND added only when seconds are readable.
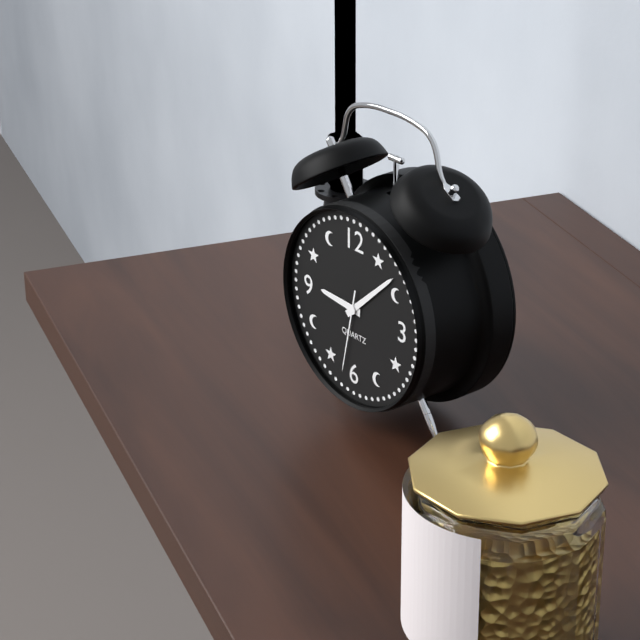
h=9 m=8 s=32
